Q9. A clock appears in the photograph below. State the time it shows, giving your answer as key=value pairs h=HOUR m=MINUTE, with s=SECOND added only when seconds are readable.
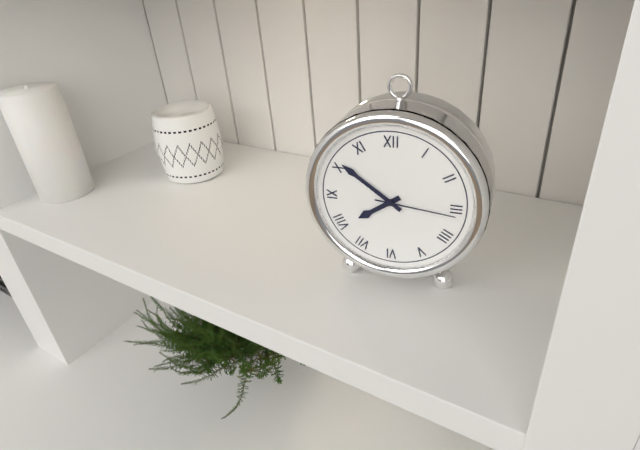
h=7 m=51 s=16
